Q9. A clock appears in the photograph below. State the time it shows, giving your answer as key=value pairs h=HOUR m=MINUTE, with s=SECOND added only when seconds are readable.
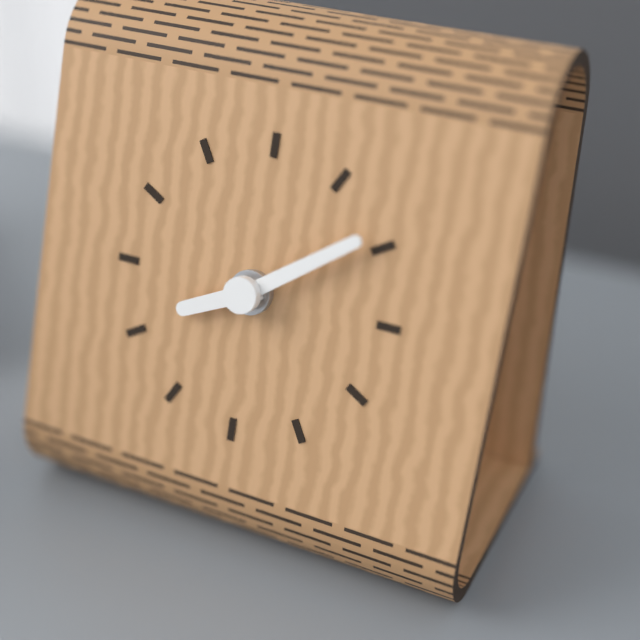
h=8 m=9
